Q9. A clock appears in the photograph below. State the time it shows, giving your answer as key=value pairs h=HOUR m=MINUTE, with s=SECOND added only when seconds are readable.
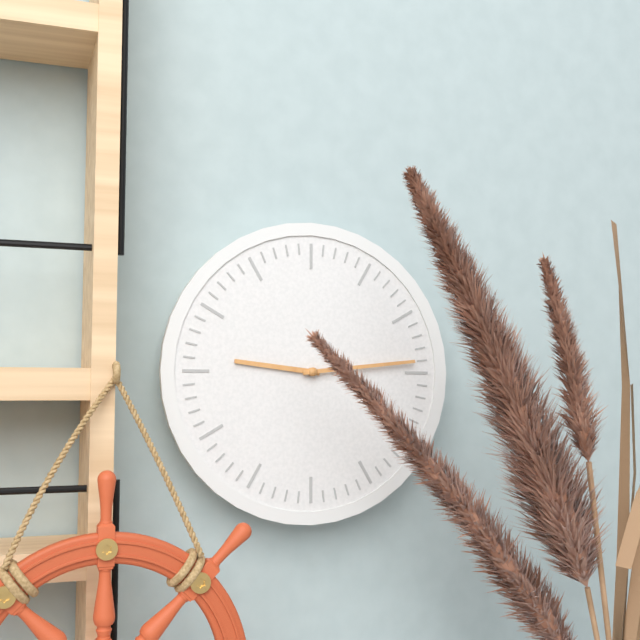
h=9 m=14
